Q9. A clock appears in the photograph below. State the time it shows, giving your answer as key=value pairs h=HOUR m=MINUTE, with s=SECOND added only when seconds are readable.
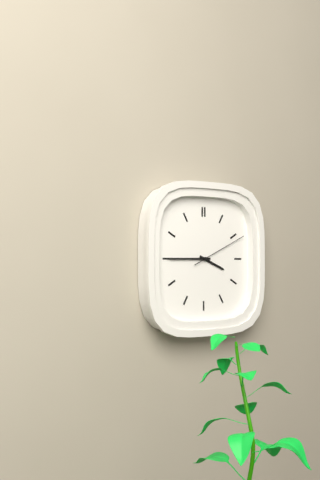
h=3 m=45 s=11
